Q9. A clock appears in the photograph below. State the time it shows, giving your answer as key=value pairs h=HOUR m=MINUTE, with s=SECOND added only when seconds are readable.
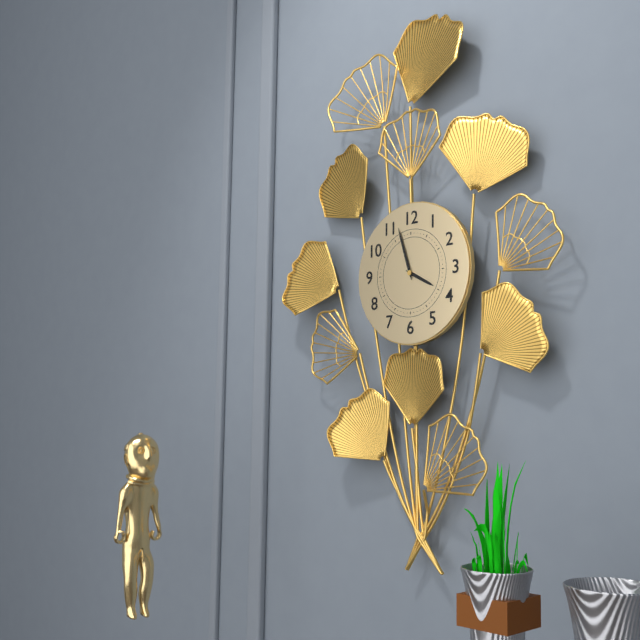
h=3 m=57
